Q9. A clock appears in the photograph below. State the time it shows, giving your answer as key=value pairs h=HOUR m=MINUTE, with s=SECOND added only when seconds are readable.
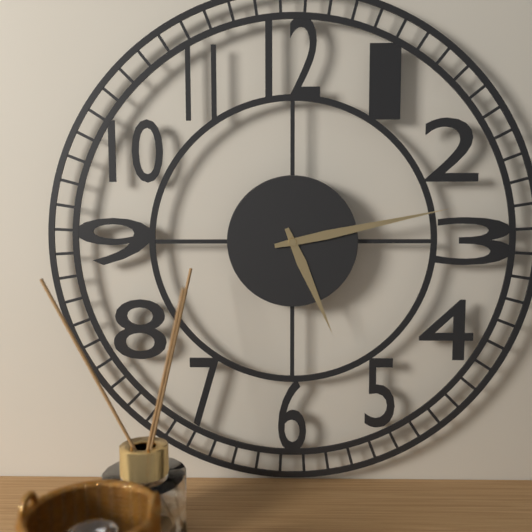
h=5 m=13
